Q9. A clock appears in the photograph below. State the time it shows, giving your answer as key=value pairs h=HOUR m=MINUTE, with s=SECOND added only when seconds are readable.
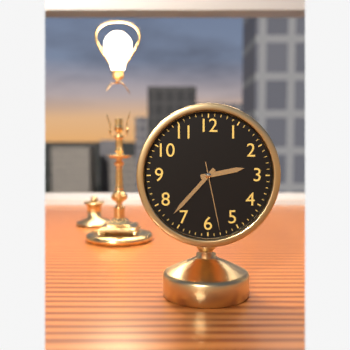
h=2 m=37 s=28
